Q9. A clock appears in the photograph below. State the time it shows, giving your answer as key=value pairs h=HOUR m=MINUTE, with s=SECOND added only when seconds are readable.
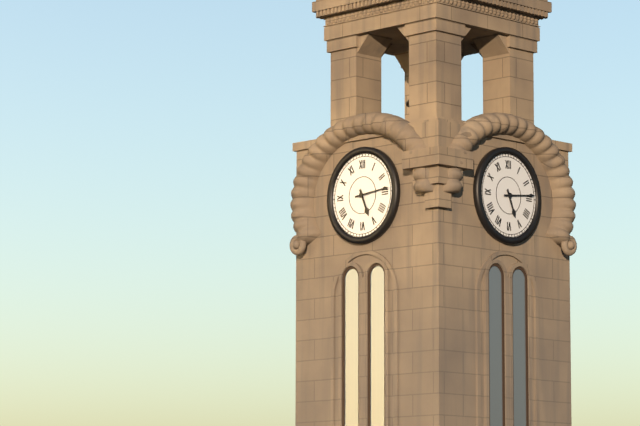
h=5 m=14
